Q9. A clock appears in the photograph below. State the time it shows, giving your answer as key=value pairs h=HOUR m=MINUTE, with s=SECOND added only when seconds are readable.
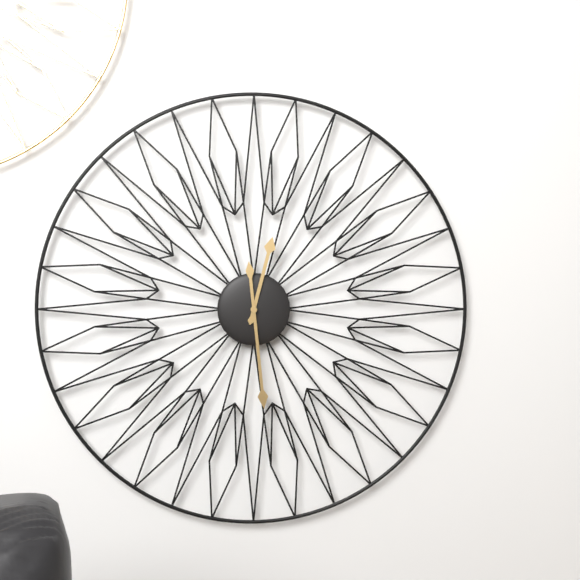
h=12 m=29
